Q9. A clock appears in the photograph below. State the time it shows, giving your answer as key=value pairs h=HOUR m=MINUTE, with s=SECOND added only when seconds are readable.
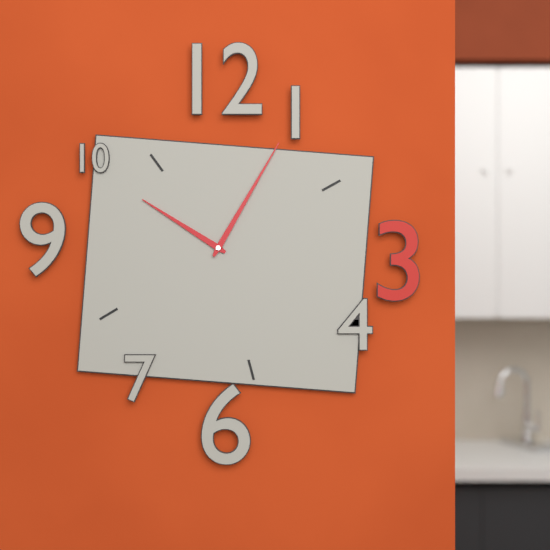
h=10 m=5
